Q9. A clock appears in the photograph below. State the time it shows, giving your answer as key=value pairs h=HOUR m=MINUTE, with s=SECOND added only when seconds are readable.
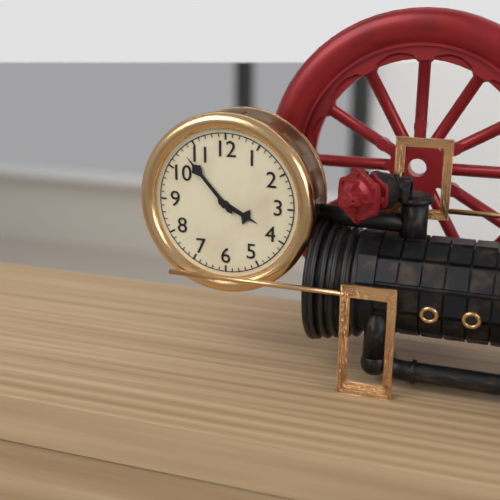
h=3 m=53
